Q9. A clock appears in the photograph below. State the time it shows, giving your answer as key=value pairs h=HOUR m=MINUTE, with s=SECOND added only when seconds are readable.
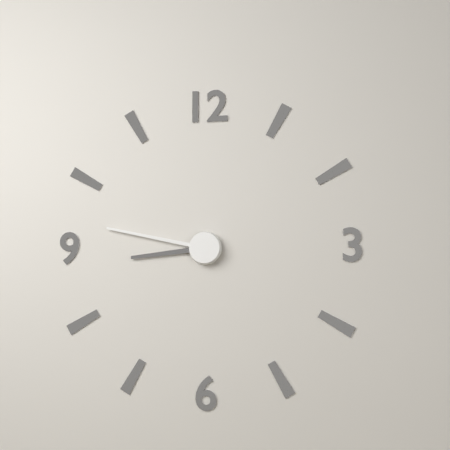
h=8 m=47
